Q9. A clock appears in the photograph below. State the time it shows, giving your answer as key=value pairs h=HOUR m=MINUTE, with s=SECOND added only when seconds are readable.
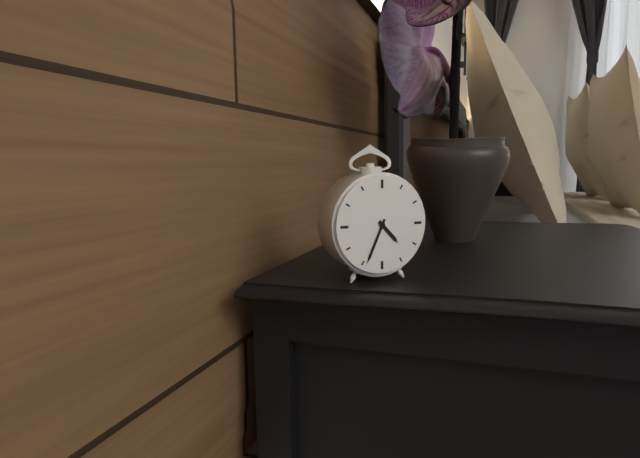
h=4 m=34
